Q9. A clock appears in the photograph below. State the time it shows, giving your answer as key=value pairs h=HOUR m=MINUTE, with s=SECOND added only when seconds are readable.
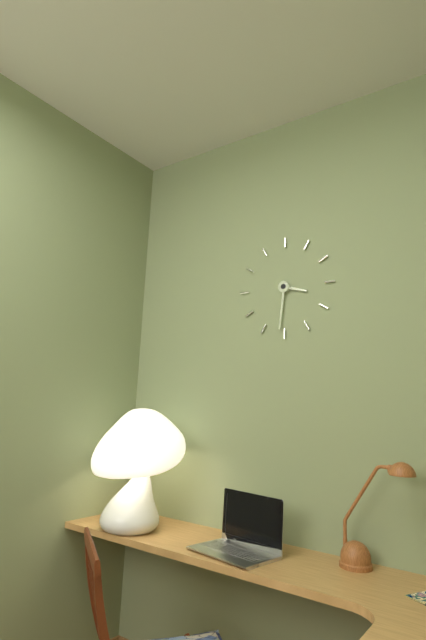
h=3 m=31
